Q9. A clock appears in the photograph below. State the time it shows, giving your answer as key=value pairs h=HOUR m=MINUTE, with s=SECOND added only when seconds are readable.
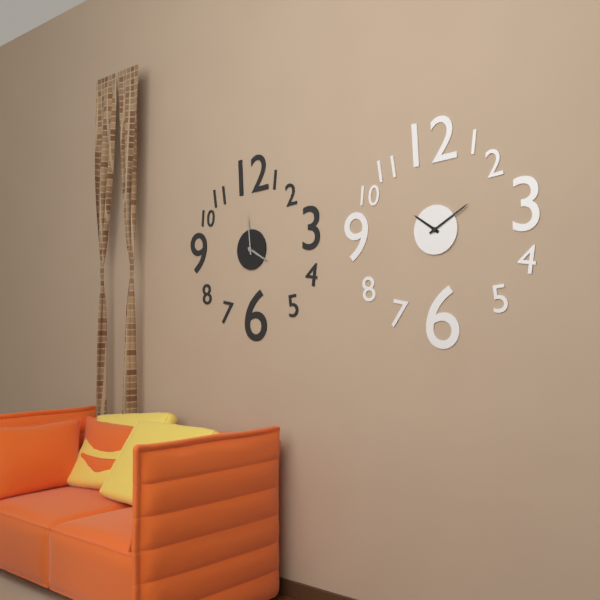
h=3 m=59
